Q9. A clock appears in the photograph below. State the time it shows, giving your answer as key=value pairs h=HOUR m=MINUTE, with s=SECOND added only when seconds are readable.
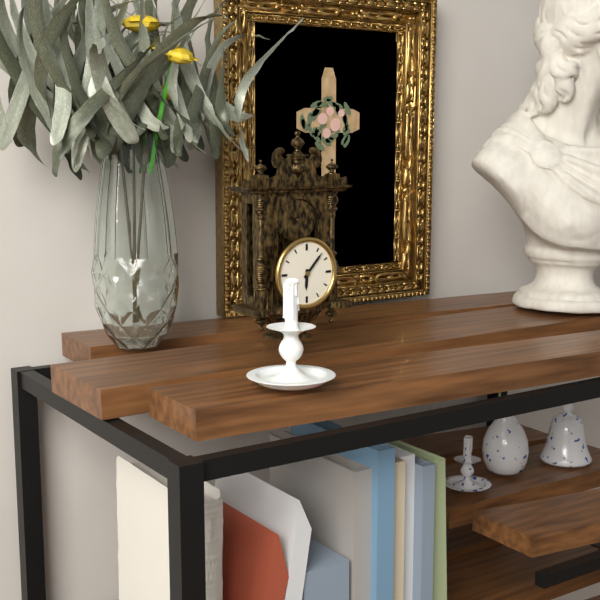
h=6 m=7
